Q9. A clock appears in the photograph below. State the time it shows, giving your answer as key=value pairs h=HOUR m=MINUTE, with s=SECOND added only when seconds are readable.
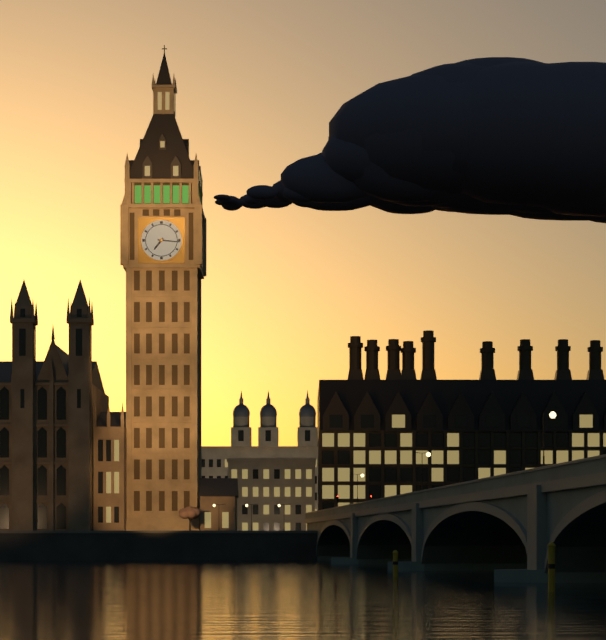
h=7 m=16
